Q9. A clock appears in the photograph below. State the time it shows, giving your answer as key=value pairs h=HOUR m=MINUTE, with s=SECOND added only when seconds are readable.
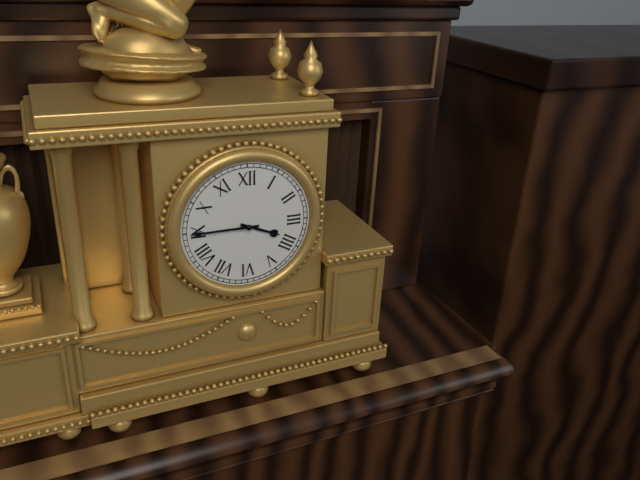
h=3 m=45
